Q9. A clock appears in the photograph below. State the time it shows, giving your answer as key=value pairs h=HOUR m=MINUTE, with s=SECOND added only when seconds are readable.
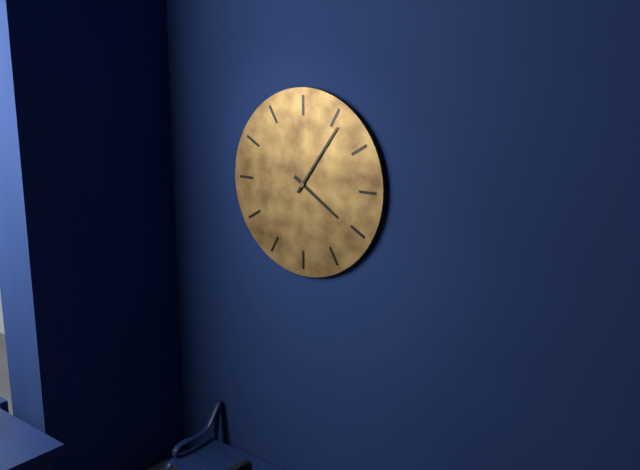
h=4 m=6
